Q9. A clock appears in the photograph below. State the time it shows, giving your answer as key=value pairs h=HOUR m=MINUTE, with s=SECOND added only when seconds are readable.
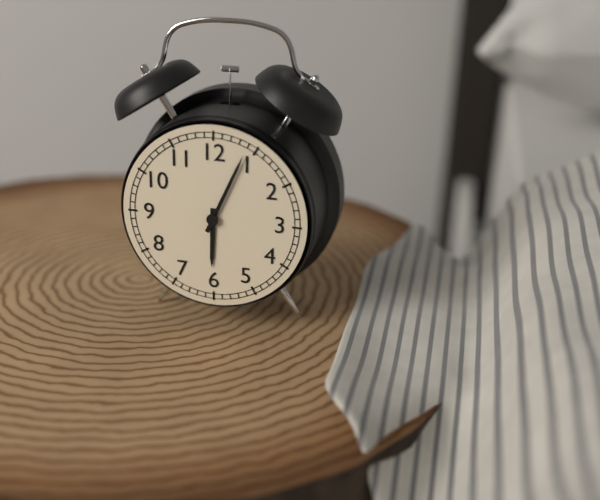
h=6 m=4
